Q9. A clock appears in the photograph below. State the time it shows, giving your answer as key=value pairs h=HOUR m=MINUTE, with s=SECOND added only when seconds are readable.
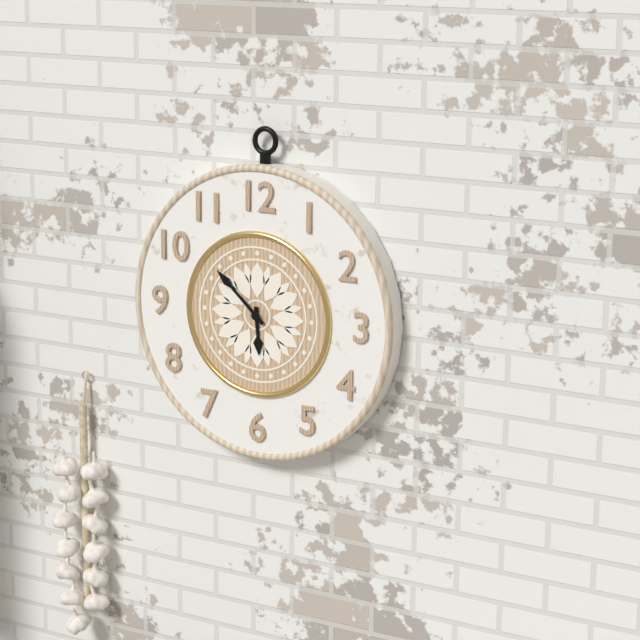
h=5 m=52
